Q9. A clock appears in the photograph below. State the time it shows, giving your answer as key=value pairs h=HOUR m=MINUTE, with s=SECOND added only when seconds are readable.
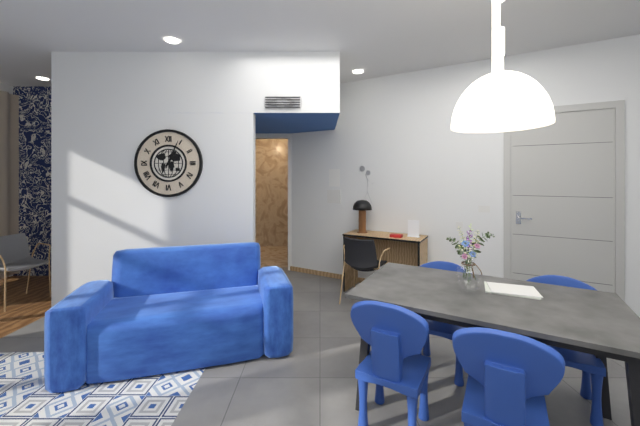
h=1 m=4
